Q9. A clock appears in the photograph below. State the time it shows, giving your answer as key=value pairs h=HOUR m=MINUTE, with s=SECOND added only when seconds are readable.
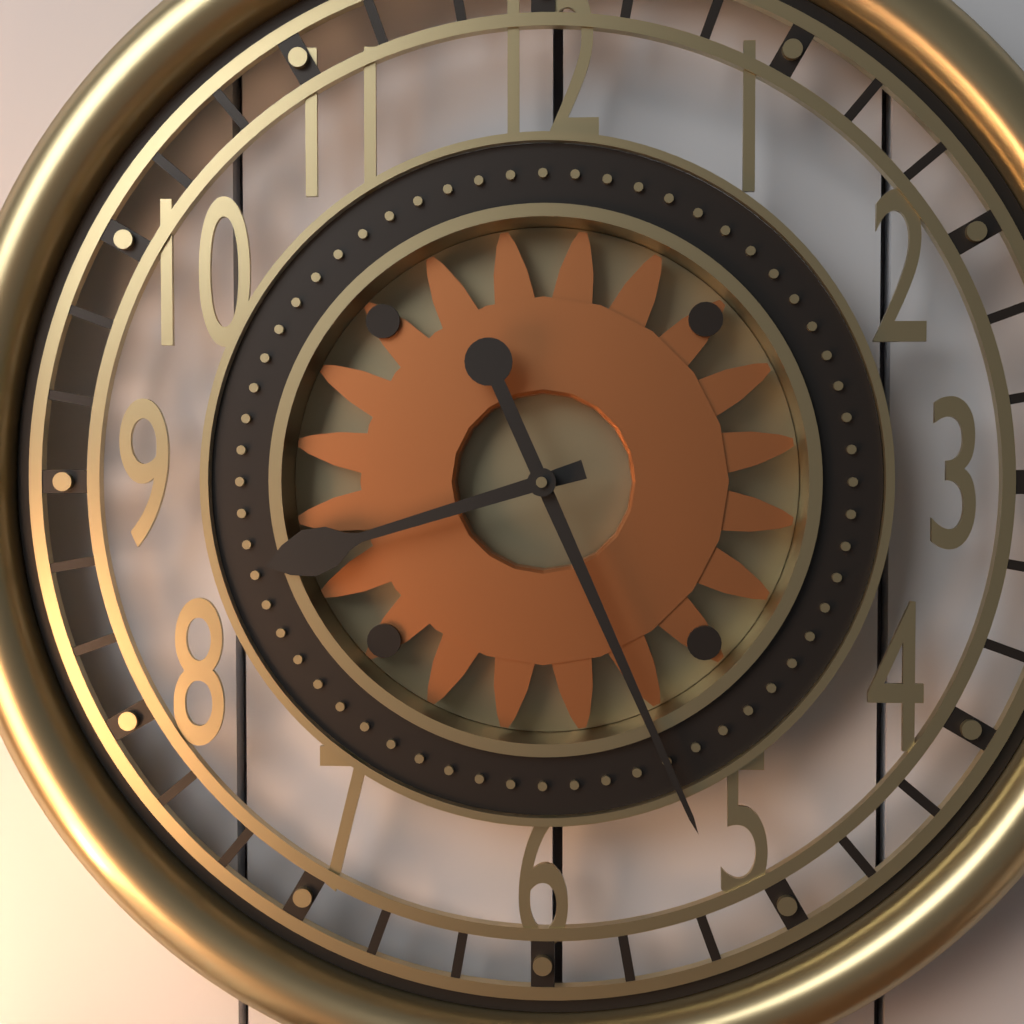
h=8 m=26
